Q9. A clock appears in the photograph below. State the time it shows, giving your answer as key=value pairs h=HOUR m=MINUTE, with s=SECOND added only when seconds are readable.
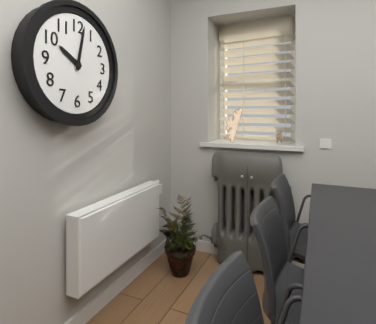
h=10 m=2
